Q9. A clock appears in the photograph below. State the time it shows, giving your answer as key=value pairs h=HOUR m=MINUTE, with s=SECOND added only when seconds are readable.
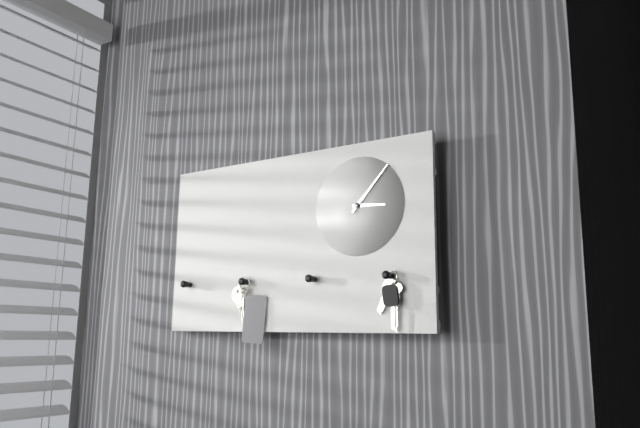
h=3 m=7
